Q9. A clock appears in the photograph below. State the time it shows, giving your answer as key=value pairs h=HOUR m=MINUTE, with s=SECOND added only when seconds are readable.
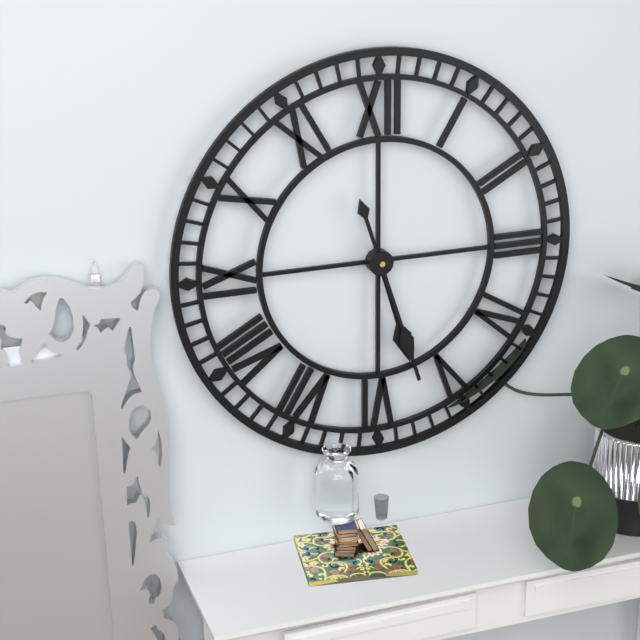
h=5 m=27
